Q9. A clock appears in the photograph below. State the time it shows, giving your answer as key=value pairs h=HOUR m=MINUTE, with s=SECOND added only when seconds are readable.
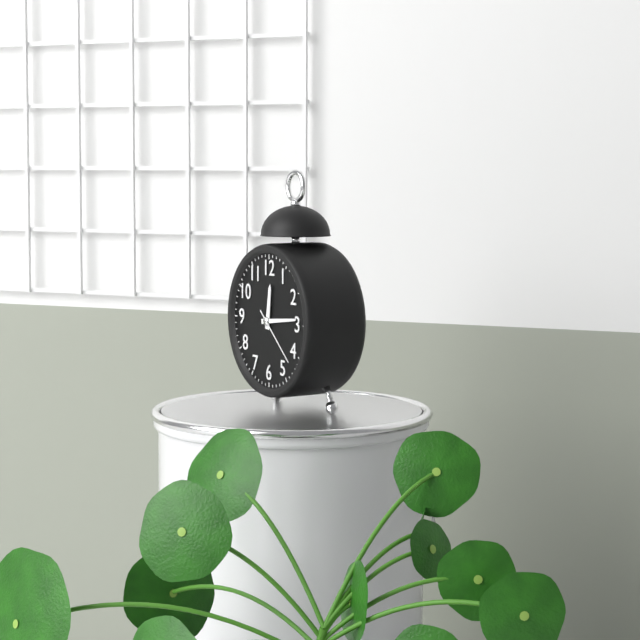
h=12 m=14 s=22
